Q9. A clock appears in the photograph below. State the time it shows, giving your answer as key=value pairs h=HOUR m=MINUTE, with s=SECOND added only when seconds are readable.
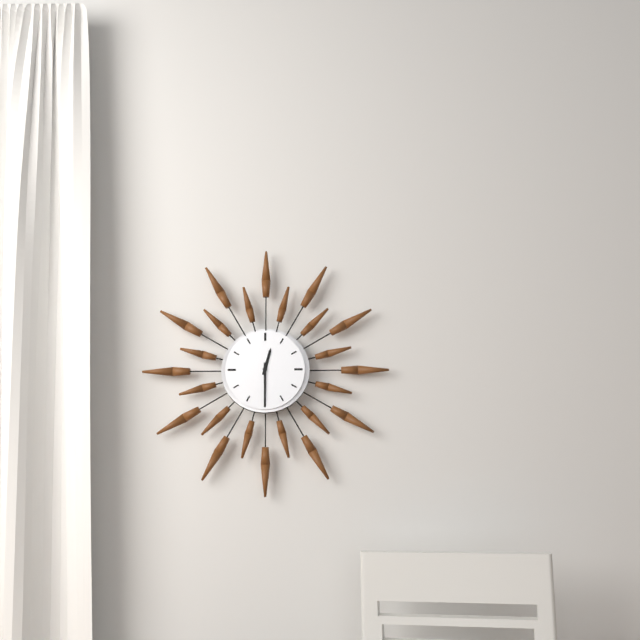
h=12 m=30
